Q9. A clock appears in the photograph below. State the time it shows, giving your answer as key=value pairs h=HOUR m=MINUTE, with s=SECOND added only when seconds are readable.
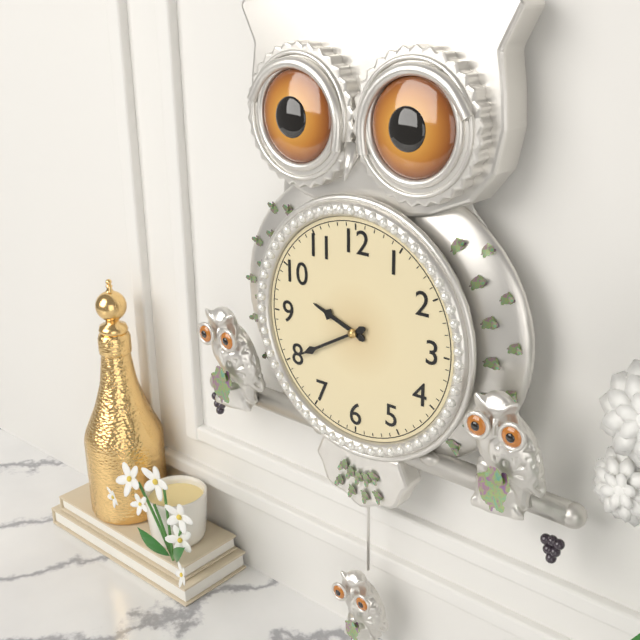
h=9 m=40
